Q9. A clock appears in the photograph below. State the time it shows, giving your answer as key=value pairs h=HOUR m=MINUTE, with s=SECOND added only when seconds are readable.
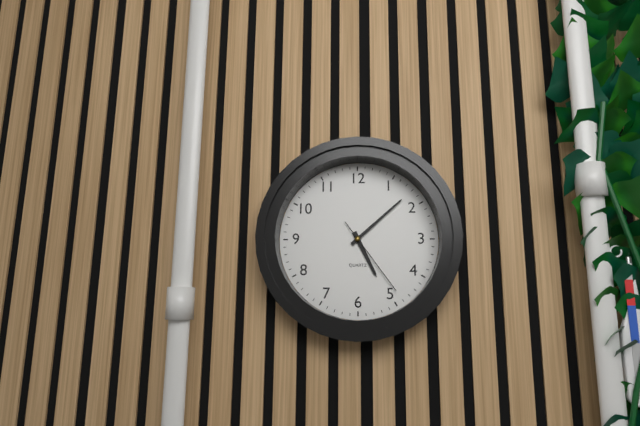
h=5 m=8 s=24
